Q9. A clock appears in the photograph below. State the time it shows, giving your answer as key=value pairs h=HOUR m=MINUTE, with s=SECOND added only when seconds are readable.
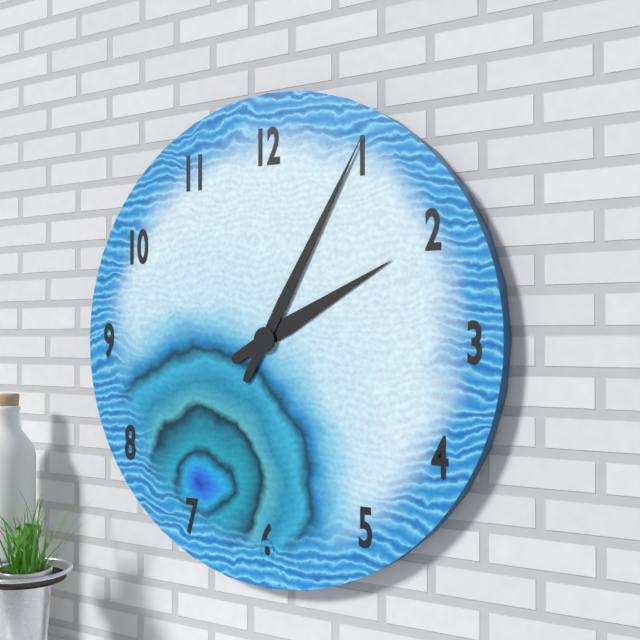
h=2 m=5
